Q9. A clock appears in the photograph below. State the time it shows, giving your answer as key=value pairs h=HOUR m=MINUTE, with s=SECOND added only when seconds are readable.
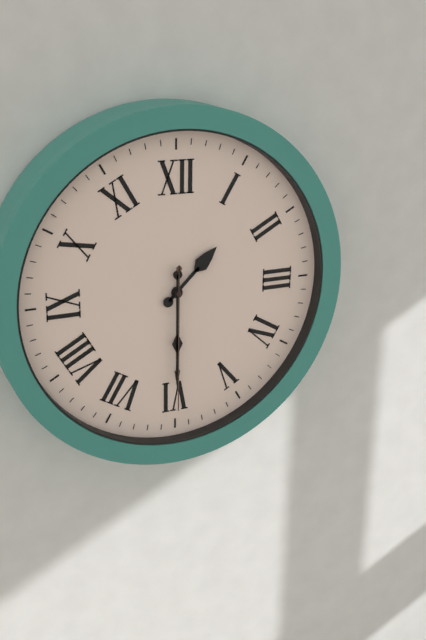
h=1 m=30 s=30
